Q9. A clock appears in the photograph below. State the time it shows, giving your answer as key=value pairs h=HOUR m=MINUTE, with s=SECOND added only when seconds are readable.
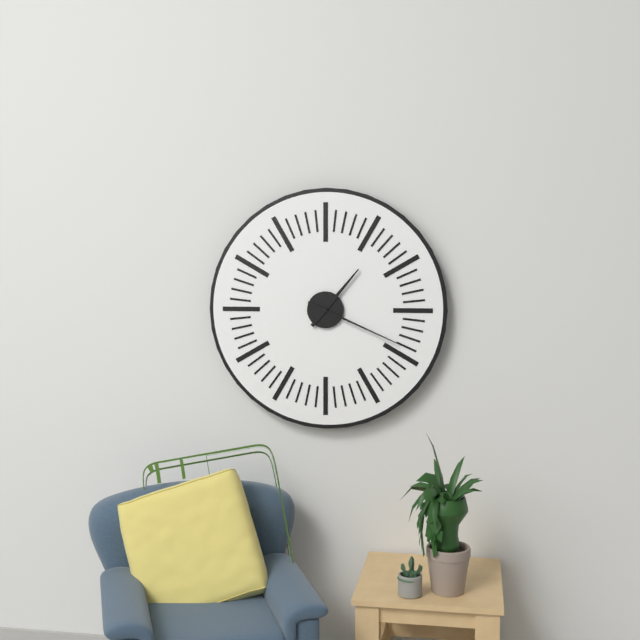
h=1 m=19
